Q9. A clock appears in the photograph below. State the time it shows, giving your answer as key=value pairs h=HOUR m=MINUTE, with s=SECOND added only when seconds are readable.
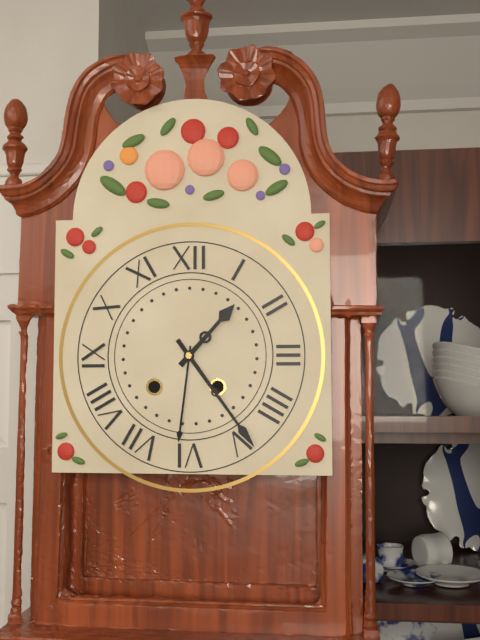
h=1 m=24
